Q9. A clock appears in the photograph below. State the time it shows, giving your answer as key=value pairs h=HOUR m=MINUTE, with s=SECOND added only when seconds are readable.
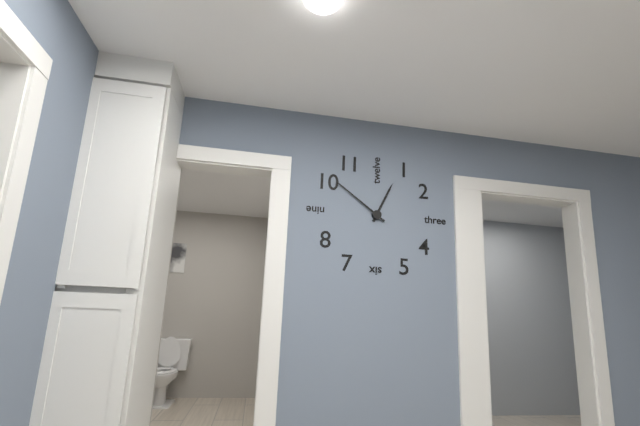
h=12 m=51
